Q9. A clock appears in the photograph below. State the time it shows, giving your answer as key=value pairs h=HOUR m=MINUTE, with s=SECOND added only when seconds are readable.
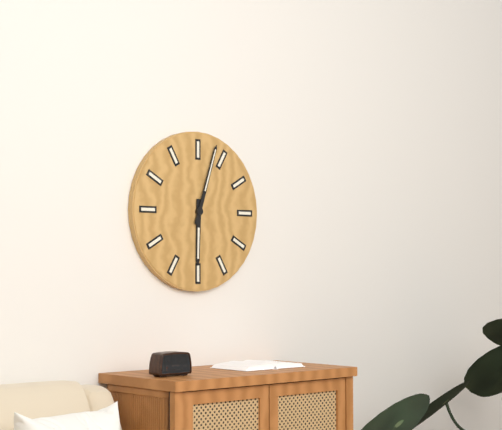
h=6 m=3
